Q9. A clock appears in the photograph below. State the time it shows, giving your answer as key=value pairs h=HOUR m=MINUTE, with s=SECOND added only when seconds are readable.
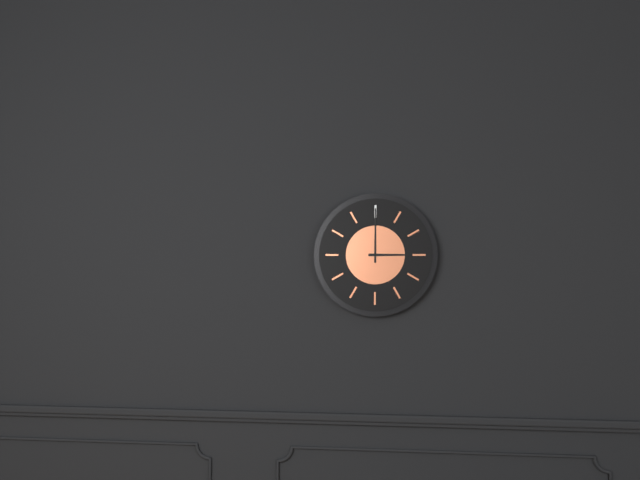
h=3 m=0
